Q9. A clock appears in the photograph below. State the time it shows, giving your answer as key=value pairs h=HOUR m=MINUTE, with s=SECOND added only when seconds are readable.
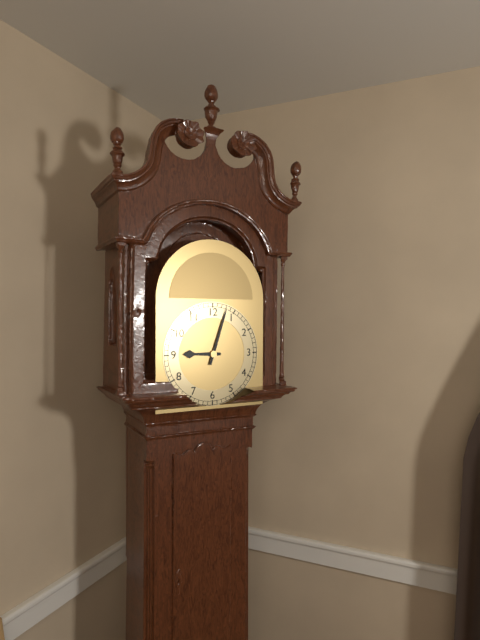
h=9 m=3
